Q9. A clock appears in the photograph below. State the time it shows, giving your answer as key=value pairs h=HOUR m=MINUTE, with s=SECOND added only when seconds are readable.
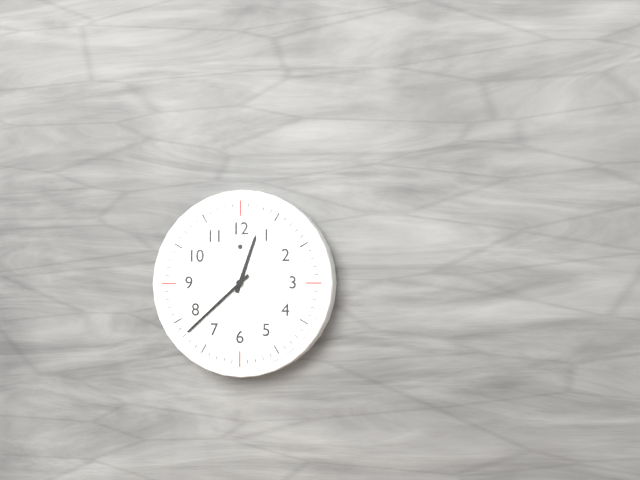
h=12 m=38
